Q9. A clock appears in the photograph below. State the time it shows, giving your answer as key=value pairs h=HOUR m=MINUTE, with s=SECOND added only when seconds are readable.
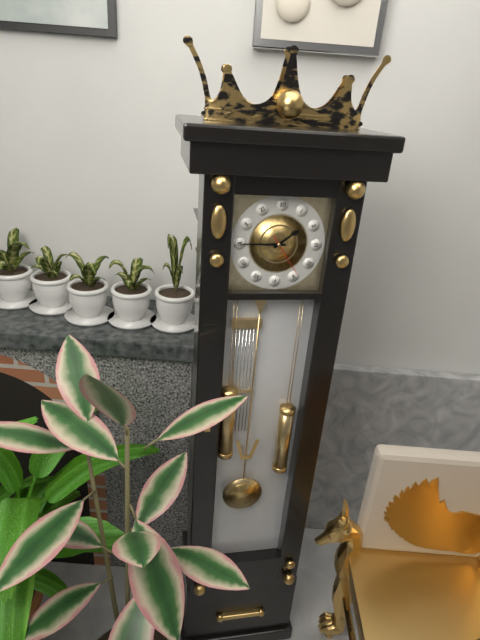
h=1 m=45
